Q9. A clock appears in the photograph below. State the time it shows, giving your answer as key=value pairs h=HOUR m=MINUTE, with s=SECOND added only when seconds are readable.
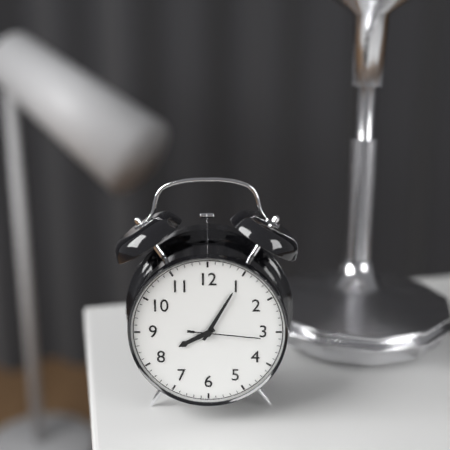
h=8 m=5 s=16
